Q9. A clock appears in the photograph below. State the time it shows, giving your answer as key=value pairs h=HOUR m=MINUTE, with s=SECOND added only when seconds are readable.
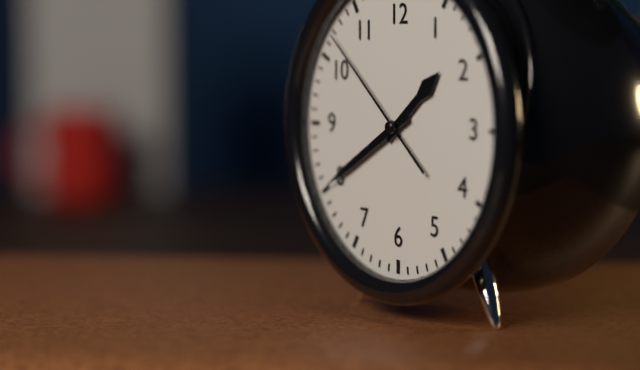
h=1 m=40 s=52
